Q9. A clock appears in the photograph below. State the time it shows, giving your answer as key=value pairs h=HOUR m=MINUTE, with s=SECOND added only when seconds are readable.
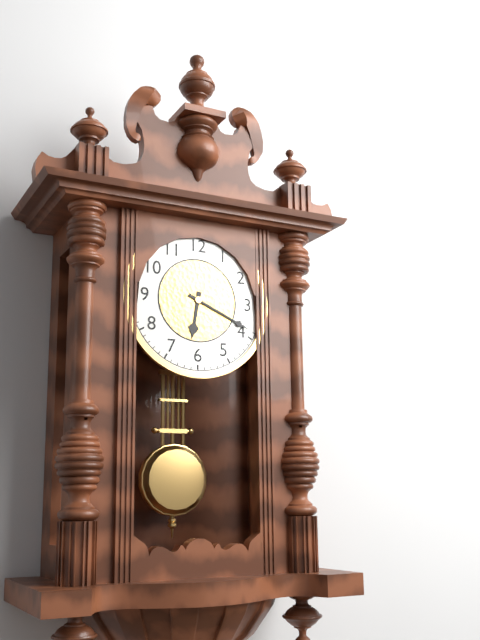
h=6 m=19
